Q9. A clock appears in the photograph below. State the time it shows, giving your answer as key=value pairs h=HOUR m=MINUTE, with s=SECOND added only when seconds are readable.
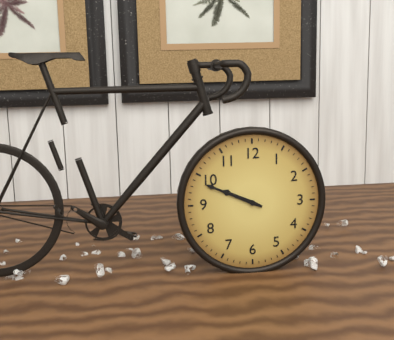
h=9 m=49
